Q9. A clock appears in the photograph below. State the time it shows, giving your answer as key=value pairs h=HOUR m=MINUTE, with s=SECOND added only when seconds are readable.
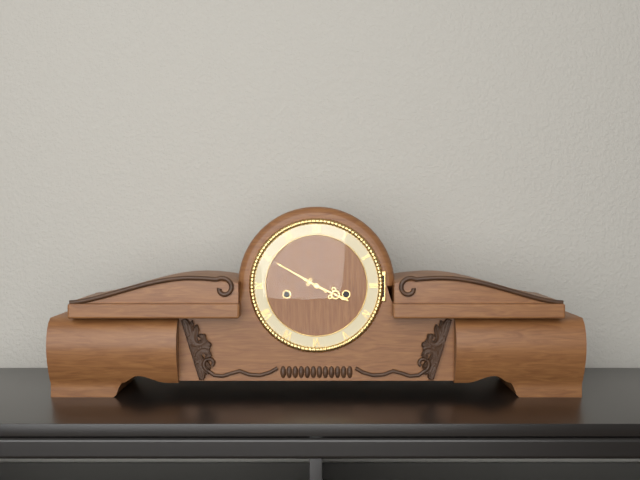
h=3 m=50
